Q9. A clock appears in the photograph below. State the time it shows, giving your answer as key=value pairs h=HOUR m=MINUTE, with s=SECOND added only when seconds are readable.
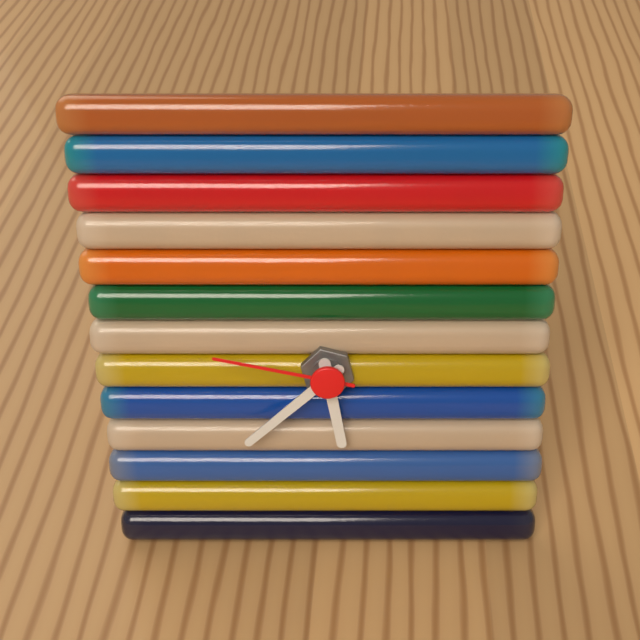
h=5 m=38 s=47
